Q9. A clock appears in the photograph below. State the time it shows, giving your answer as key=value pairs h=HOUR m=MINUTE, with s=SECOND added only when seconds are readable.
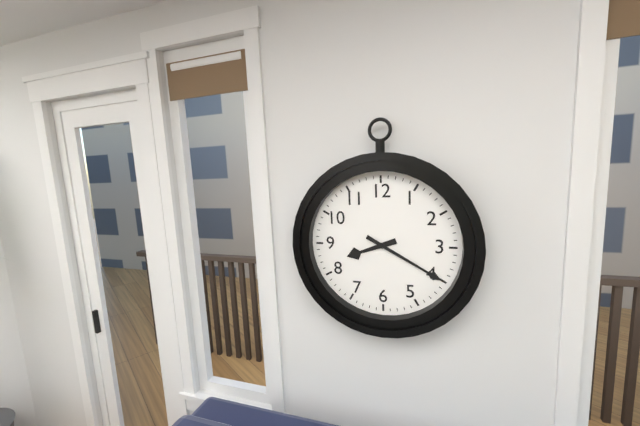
h=8 m=20
